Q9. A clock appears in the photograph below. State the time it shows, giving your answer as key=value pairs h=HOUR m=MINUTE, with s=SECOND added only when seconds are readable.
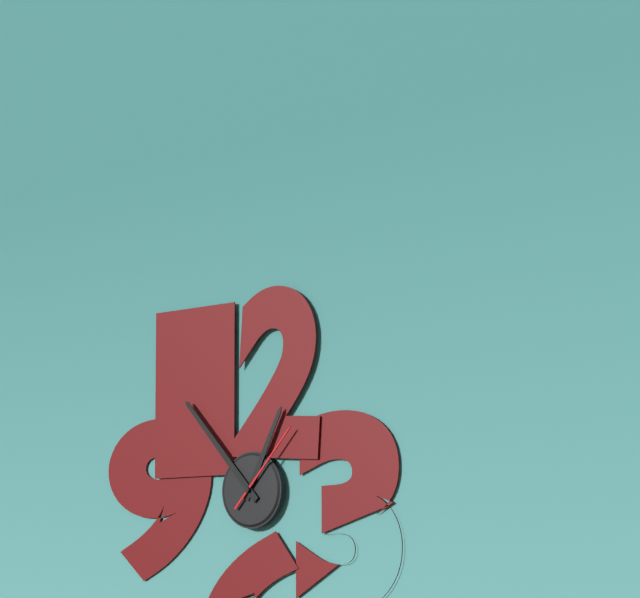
h=12 m=53 s=7
